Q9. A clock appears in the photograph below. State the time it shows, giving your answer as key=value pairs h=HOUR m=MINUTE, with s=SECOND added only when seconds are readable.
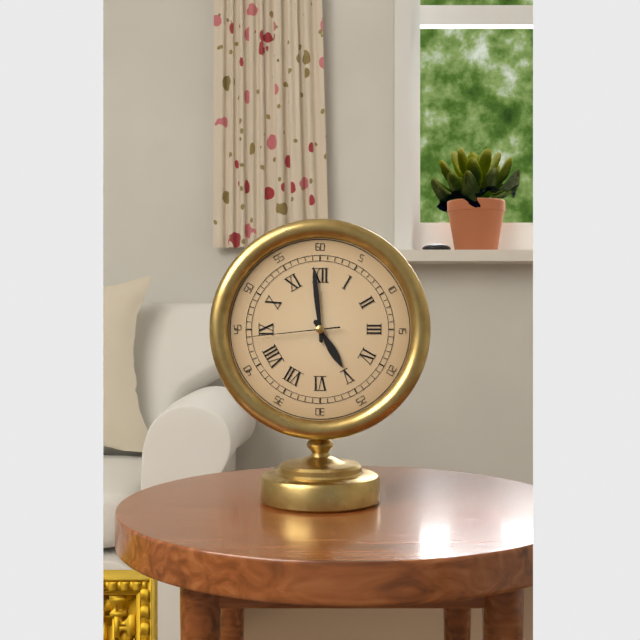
h=4 m=59 s=44
